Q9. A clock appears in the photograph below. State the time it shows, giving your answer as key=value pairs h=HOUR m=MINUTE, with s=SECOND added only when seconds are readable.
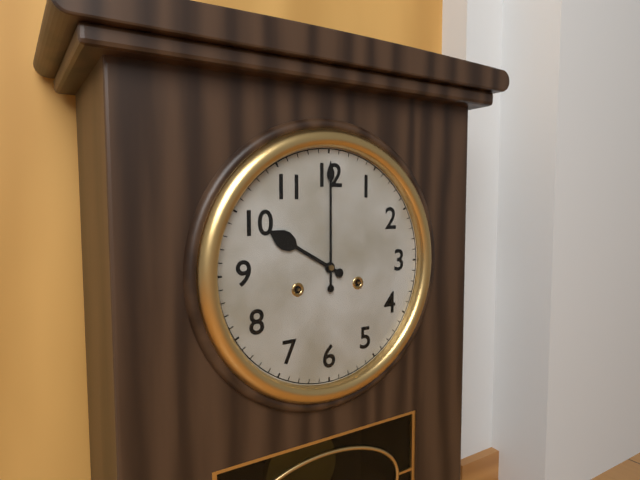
h=10 m=0
